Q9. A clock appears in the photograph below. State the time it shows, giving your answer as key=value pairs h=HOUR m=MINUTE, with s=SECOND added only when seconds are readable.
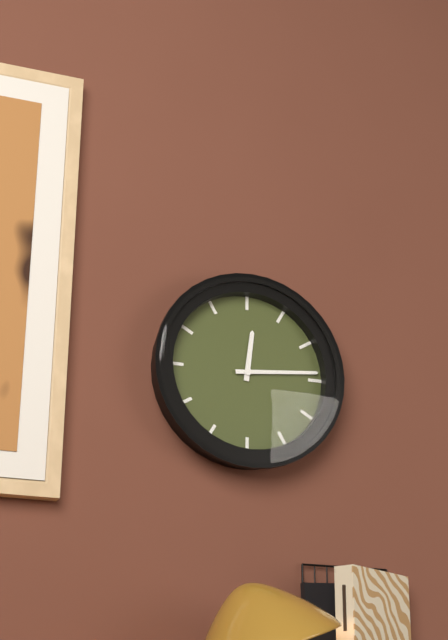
h=12 m=14
